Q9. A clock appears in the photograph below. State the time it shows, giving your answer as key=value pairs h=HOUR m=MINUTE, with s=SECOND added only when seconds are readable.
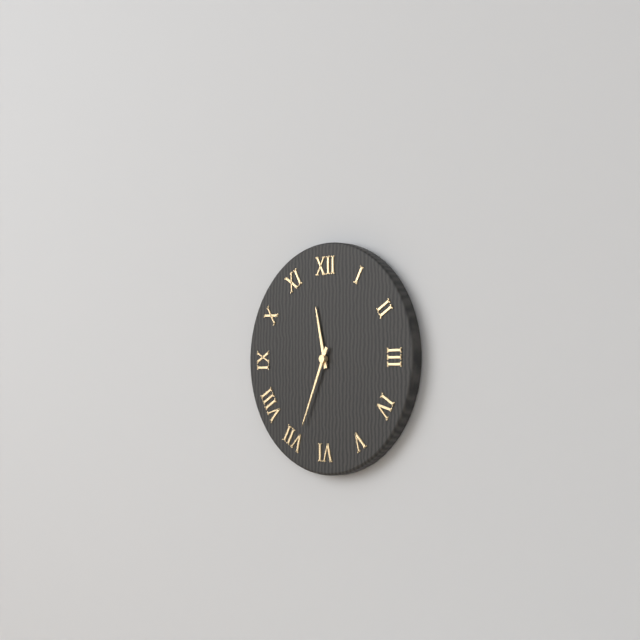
h=11 m=34
